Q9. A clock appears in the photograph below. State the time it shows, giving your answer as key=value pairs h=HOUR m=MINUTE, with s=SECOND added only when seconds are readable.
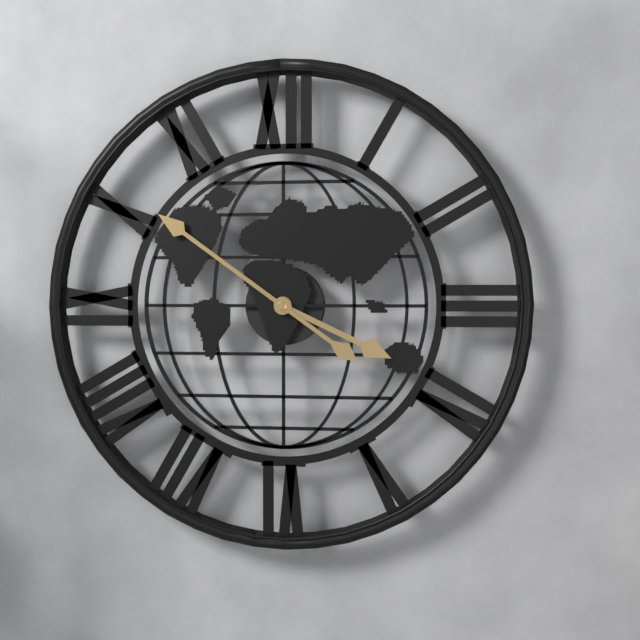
h=3 m=51
